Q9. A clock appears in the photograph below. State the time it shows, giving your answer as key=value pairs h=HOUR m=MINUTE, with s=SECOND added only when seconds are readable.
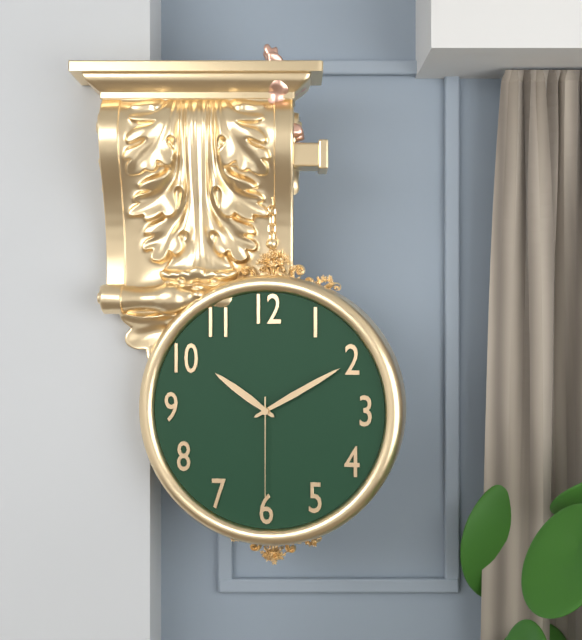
h=10 m=10 s=30
